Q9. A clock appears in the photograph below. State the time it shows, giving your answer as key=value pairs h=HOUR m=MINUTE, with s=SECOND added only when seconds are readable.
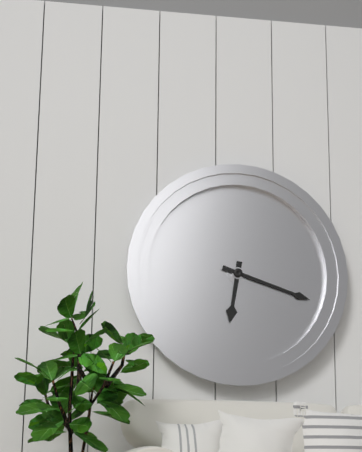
h=6 m=18
